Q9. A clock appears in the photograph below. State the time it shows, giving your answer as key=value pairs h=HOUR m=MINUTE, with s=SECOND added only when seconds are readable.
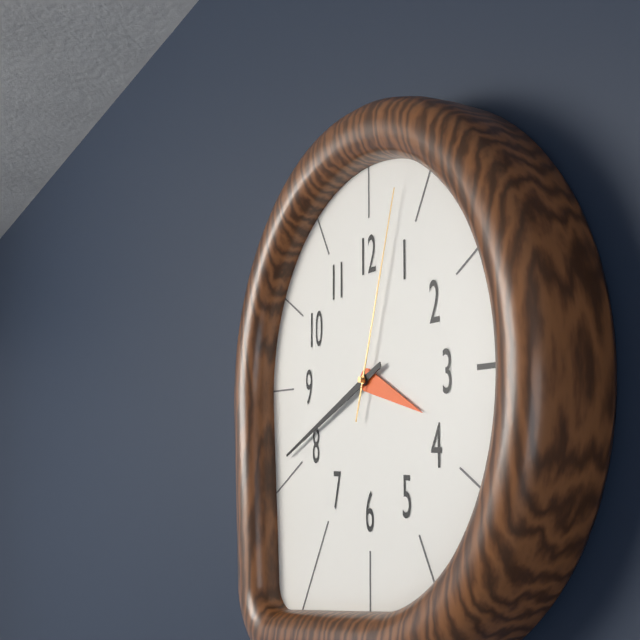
h=3 m=41 s=3
